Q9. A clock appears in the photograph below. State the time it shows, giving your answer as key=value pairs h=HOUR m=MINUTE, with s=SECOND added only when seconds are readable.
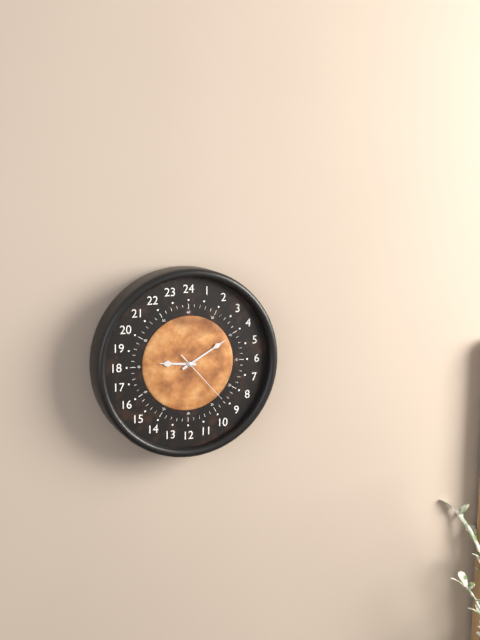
h=9 m=10 s=23
